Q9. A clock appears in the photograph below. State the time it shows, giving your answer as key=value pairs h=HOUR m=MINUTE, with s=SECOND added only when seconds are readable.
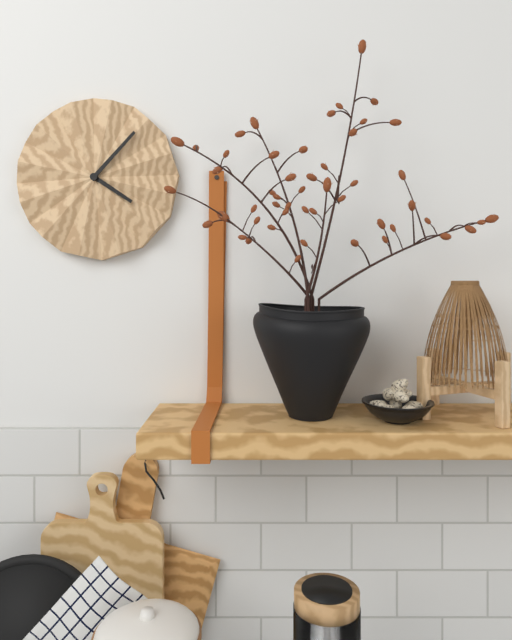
h=4 m=7
